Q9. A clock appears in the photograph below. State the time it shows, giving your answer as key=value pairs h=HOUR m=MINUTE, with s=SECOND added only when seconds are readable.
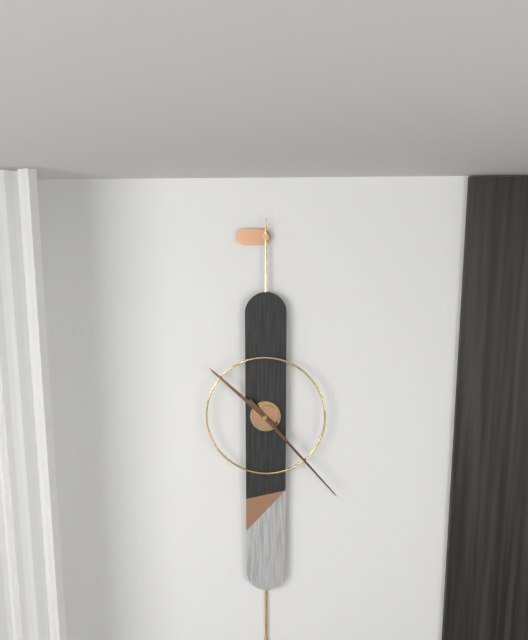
h=10 m=23
